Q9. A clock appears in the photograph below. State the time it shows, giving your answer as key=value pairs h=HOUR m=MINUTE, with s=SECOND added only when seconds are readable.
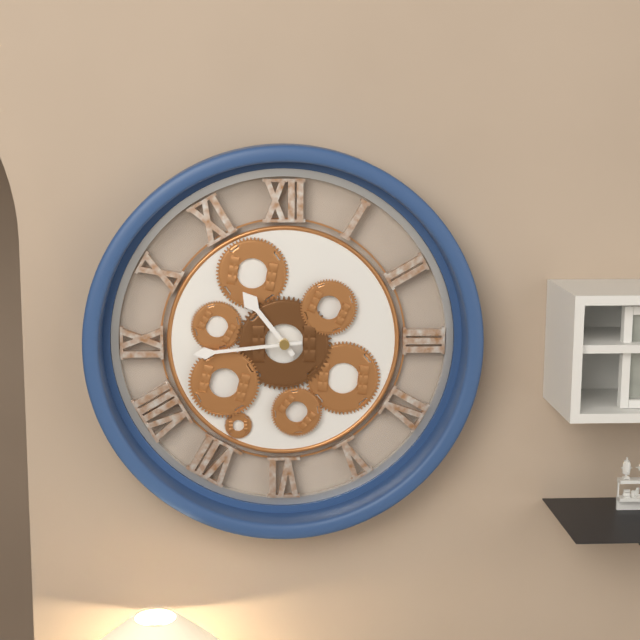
h=10 m=44
